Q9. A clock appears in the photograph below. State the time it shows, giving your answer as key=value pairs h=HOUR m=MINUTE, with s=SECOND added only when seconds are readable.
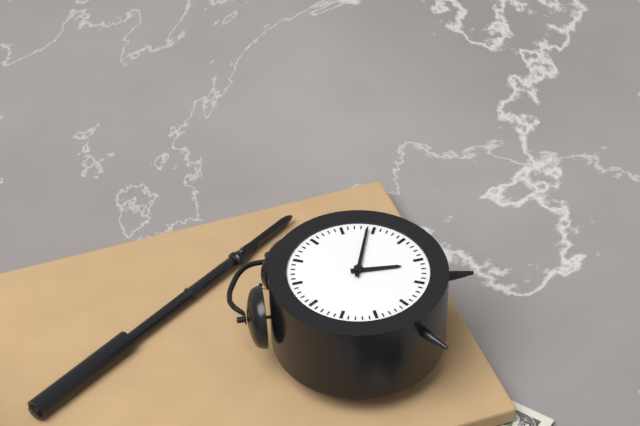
h=5 m=14
